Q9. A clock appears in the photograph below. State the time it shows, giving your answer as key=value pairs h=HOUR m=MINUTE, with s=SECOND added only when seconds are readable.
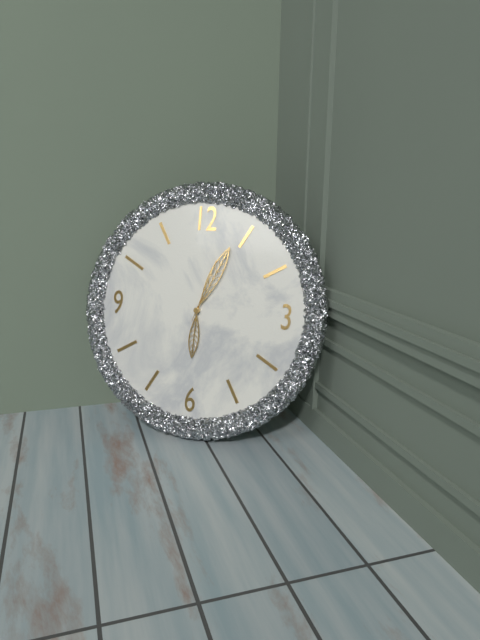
h=6 m=4 s=3
